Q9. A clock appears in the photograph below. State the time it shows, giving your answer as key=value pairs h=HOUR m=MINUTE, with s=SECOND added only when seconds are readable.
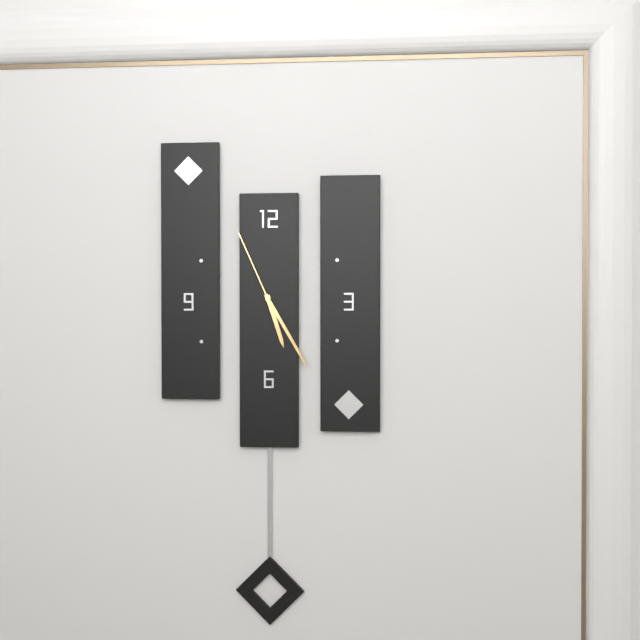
h=5 m=25 s=56
